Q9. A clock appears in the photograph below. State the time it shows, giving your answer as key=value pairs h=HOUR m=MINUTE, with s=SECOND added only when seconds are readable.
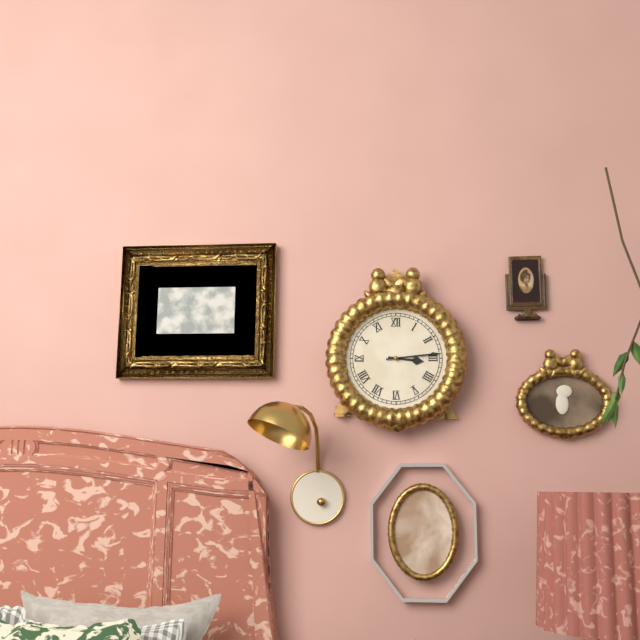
h=3 m=14
